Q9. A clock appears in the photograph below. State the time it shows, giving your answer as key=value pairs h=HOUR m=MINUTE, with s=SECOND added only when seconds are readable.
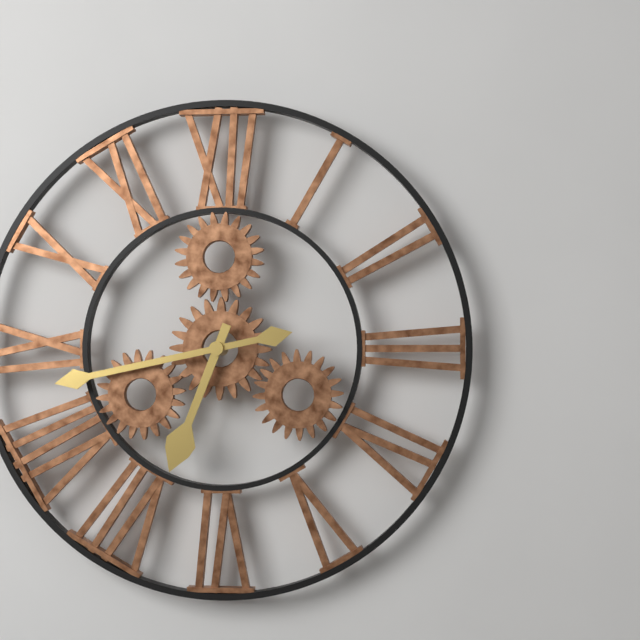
h=6 m=43
